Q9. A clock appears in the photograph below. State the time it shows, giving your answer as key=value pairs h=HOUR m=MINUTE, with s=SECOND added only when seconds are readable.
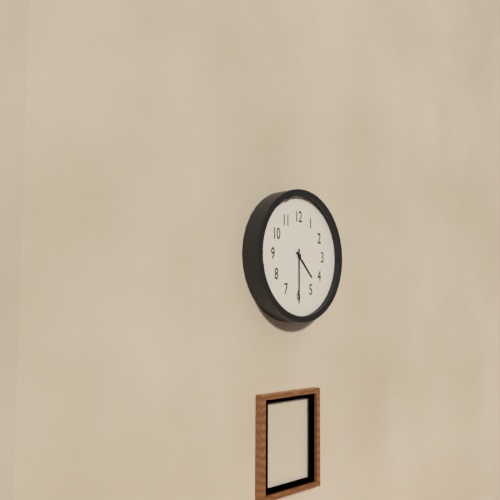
h=4 m=30
